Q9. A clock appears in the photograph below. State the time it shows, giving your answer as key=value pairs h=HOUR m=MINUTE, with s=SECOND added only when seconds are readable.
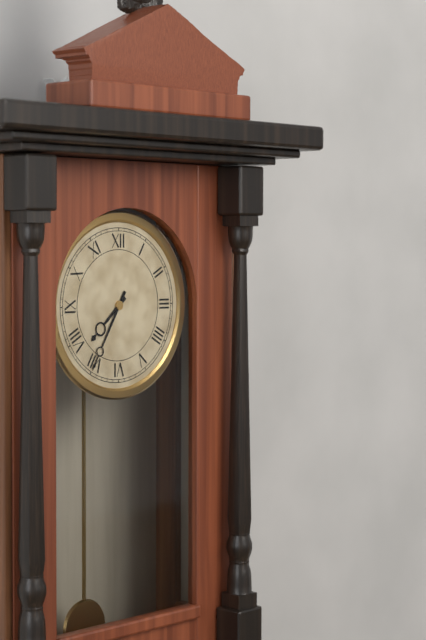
h=7 m=35
